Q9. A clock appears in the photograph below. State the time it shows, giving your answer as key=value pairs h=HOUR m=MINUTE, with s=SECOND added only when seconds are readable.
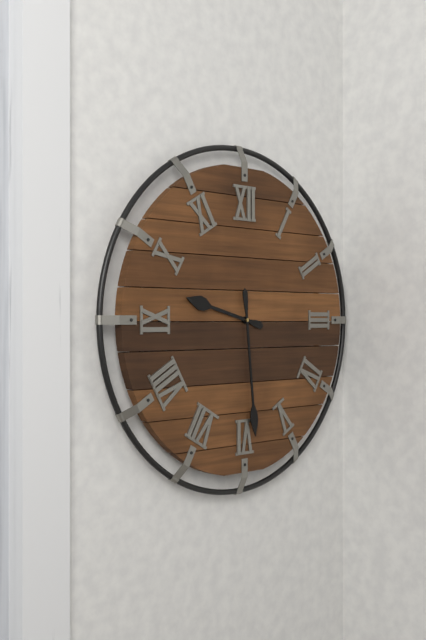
h=9 m=29
